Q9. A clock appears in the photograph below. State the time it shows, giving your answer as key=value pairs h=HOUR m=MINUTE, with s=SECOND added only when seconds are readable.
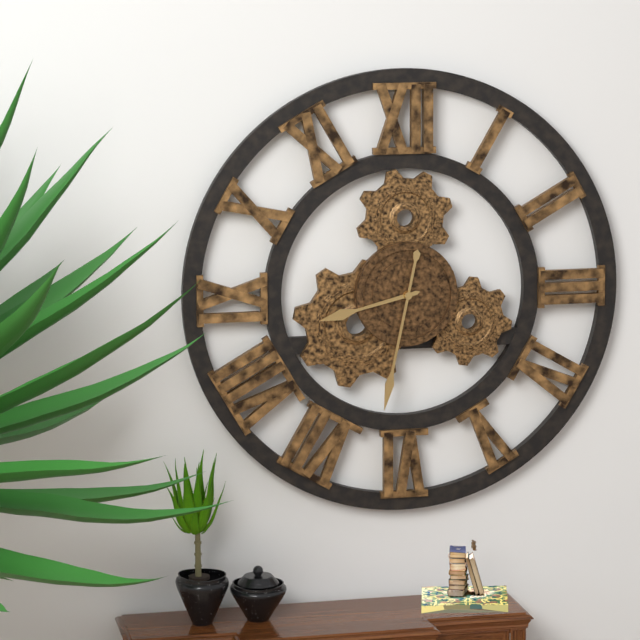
h=8 m=32
